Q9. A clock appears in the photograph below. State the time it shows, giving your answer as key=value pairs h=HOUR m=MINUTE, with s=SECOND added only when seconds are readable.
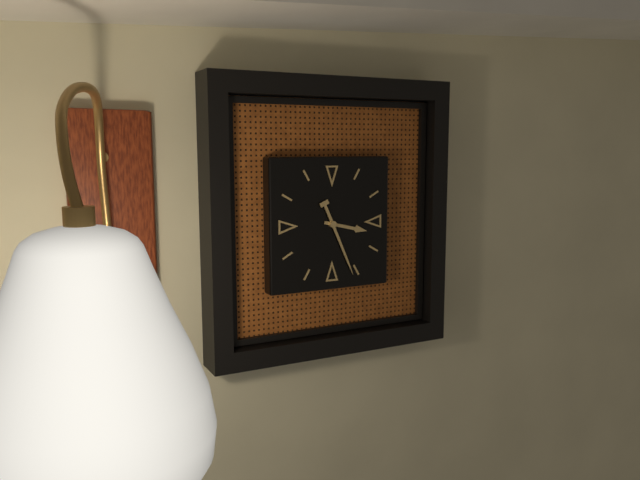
h=3 m=26
